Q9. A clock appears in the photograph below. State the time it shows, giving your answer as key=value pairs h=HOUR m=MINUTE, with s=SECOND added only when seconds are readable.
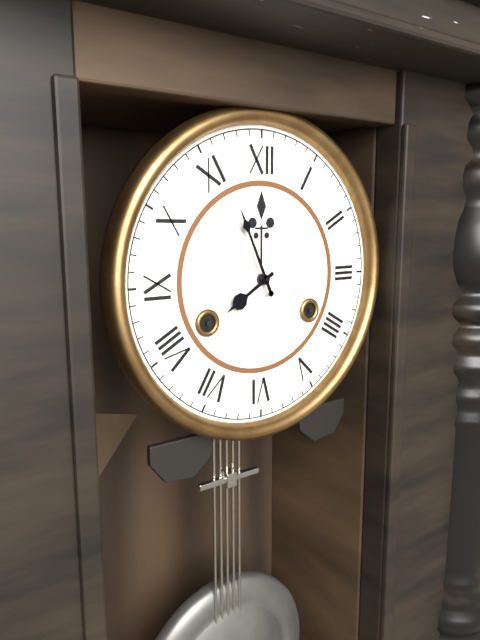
h=7 m=56
